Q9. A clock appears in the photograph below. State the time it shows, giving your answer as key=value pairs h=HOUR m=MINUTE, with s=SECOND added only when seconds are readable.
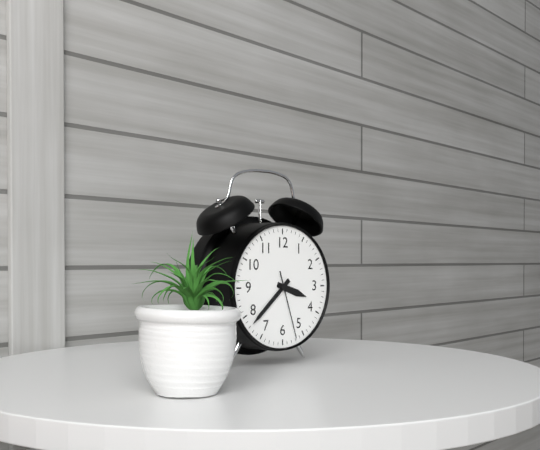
h=3 m=38 s=27
